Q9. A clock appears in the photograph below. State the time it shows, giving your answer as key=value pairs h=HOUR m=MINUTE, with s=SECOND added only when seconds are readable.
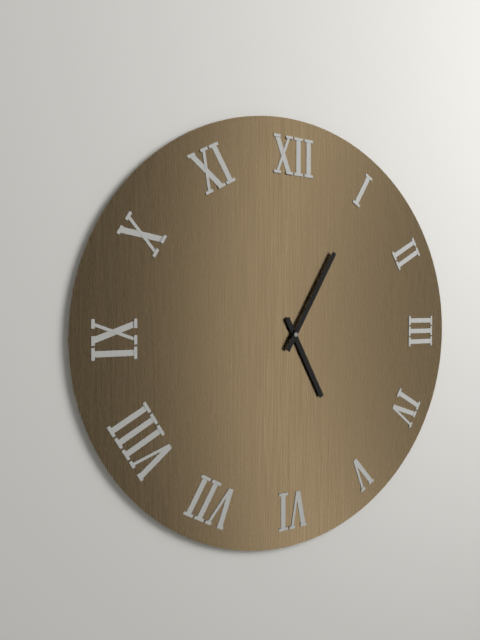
h=5 m=5
